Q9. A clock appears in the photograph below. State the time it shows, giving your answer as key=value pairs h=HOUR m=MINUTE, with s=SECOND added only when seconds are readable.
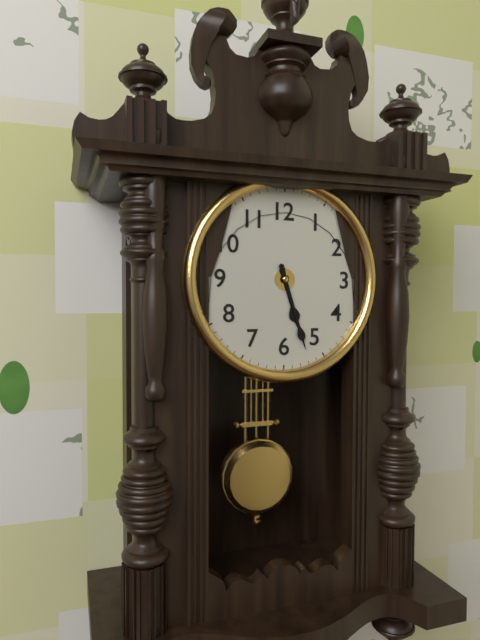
h=5 m=27
